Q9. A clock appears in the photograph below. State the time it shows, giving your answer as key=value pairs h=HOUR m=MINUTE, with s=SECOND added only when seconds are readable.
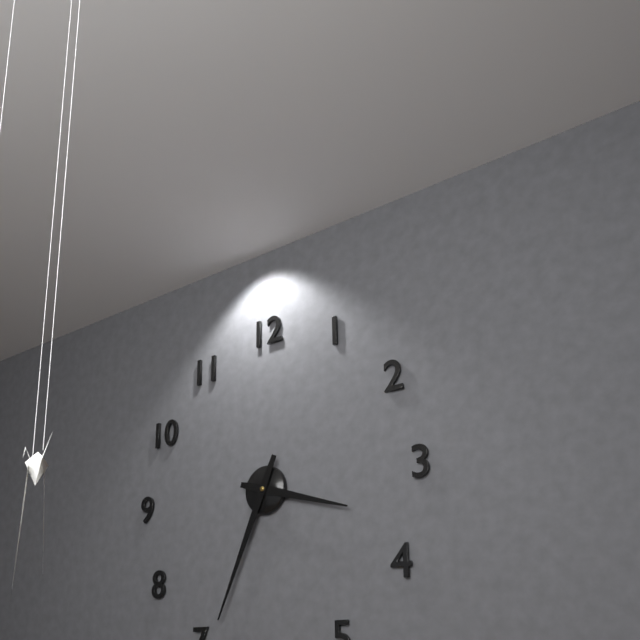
h=3 m=34
